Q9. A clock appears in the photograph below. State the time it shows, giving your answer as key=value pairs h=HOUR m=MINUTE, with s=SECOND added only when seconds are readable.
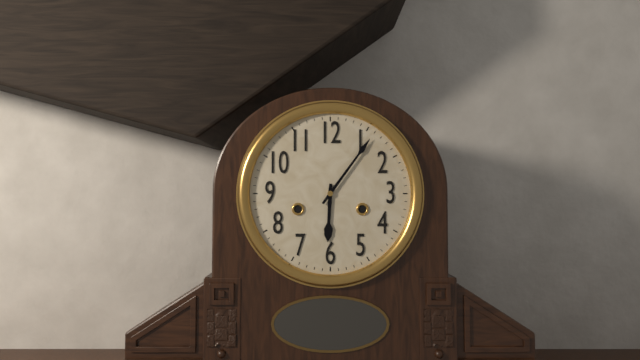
h=6 m=6
